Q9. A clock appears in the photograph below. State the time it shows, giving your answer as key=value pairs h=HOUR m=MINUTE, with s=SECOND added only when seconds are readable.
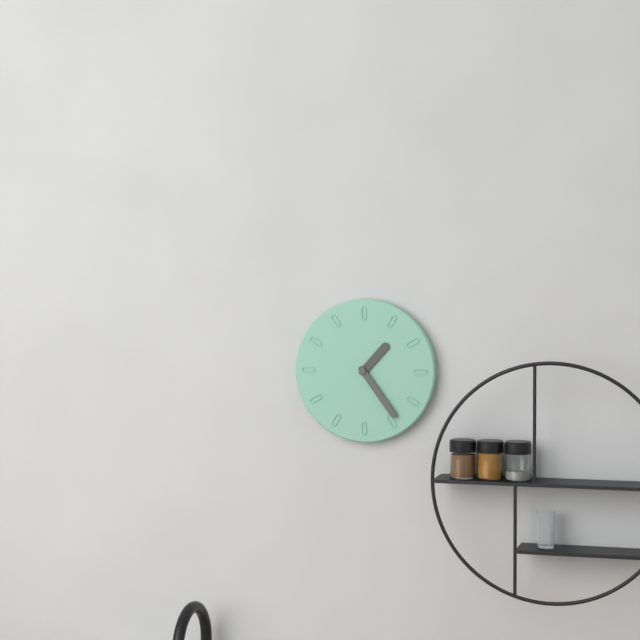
h=1 m=24
